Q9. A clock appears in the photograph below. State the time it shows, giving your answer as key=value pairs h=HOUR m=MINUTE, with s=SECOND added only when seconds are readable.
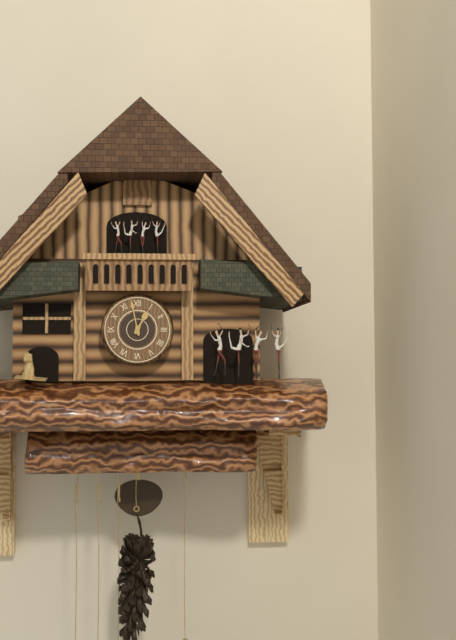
h=12 m=58
